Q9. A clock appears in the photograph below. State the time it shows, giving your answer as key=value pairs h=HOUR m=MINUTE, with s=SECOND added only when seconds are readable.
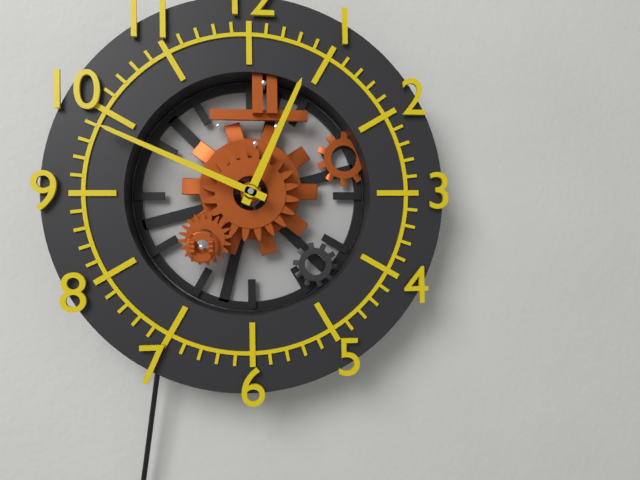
h=12 m=49
